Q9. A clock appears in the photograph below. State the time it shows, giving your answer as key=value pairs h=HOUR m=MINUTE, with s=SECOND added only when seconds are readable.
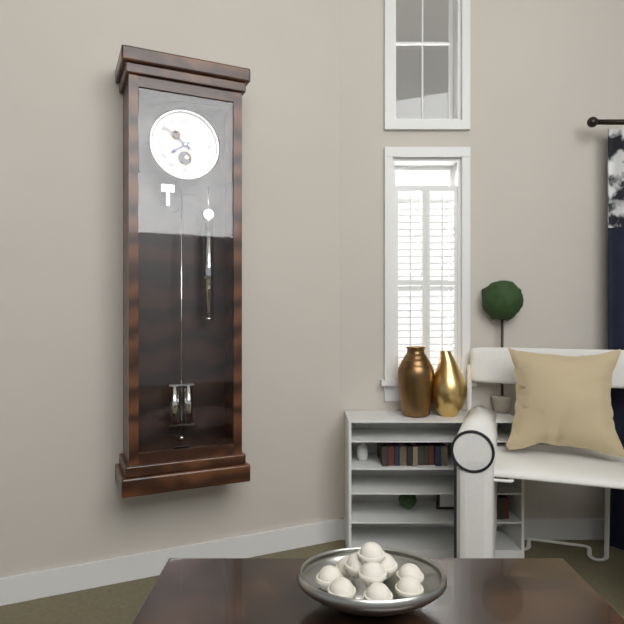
h=7 m=51
